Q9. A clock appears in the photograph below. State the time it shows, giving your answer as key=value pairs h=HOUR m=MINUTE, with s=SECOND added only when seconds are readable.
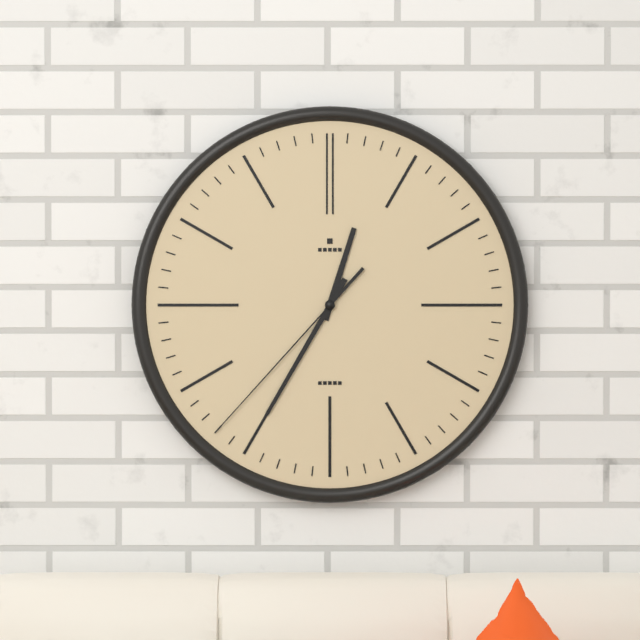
h=12 m=35 s=37
